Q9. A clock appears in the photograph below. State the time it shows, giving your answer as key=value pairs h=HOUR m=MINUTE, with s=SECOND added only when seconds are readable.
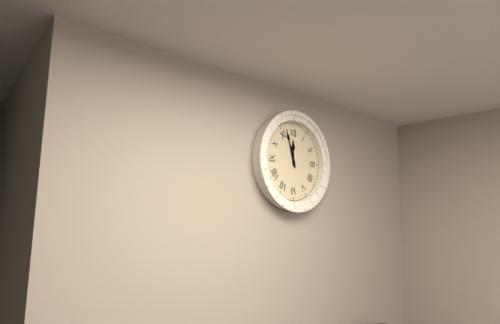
h=11 m=57
